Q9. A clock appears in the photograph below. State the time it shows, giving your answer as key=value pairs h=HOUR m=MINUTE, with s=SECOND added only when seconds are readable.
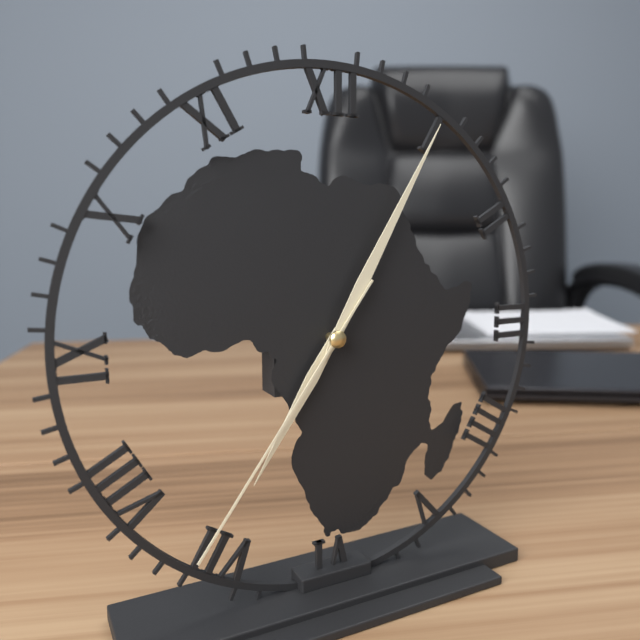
h=7 m=5 s=36
